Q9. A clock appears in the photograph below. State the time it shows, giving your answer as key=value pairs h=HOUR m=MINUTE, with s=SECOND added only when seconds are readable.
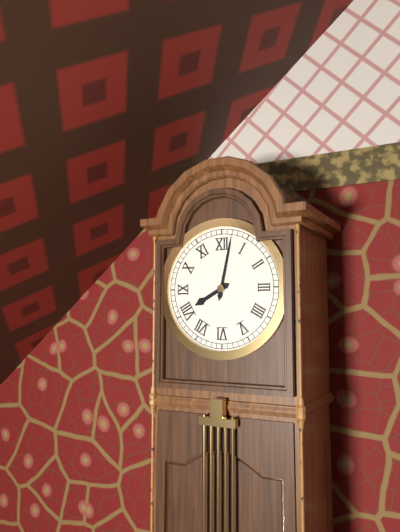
h=8 m=2
